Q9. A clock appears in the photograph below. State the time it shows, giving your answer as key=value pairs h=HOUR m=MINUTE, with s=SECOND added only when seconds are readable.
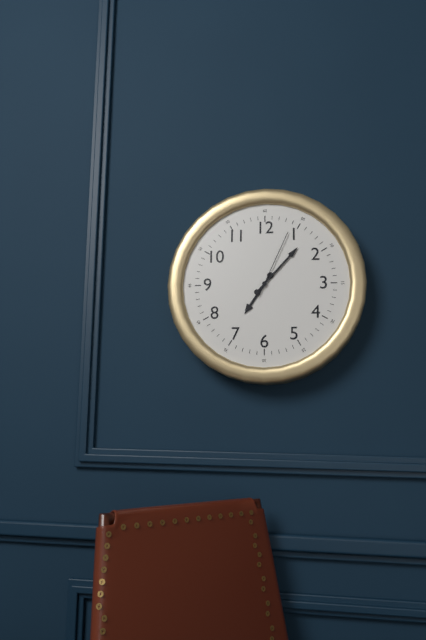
h=7 m=7 s=4
